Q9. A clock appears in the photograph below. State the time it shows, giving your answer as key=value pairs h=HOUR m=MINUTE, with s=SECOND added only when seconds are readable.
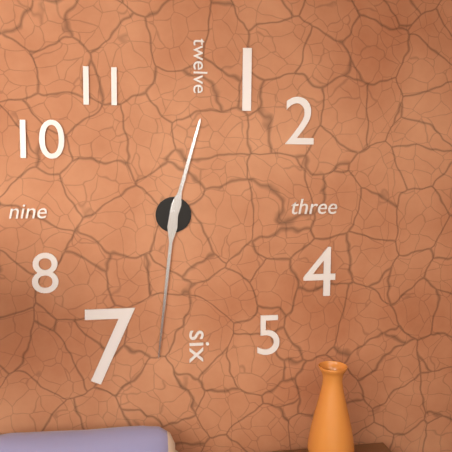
h=12 m=31
